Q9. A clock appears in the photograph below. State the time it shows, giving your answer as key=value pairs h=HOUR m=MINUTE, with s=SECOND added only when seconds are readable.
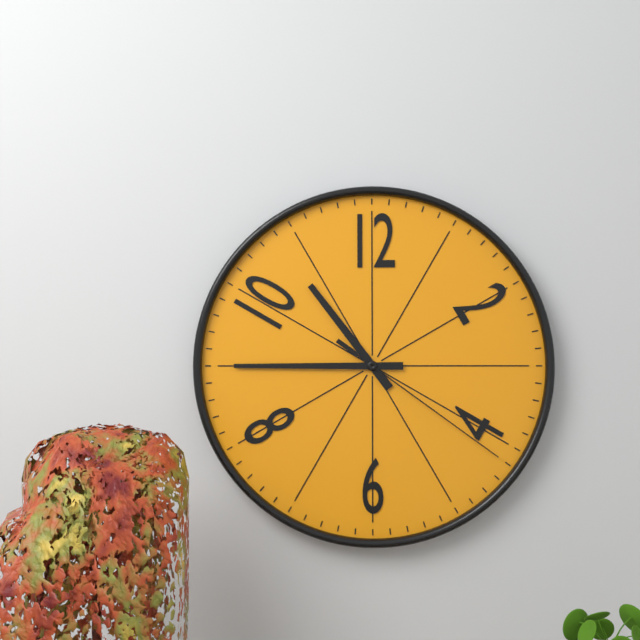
h=10 m=45 s=21
